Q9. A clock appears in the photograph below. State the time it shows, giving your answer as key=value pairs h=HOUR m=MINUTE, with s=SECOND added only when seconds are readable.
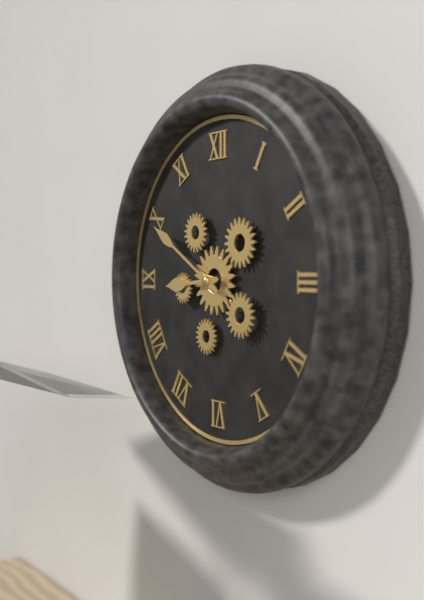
h=8 m=50
